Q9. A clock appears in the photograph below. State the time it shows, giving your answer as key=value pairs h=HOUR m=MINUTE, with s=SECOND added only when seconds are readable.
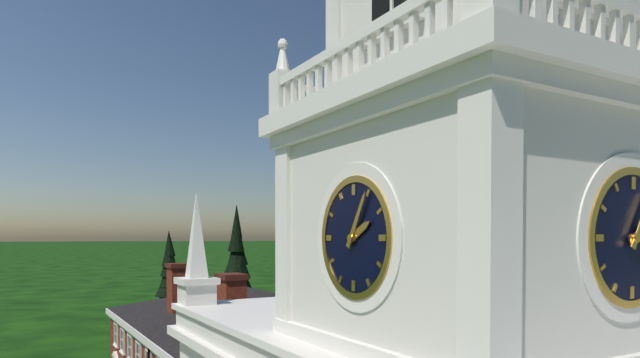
h=2 m=5
